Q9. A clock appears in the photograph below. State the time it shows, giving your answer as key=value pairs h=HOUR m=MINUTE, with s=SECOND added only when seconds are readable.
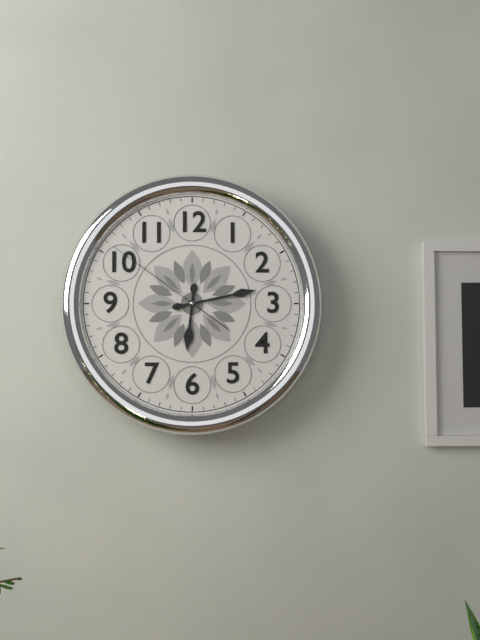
h=6 m=13 s=51
